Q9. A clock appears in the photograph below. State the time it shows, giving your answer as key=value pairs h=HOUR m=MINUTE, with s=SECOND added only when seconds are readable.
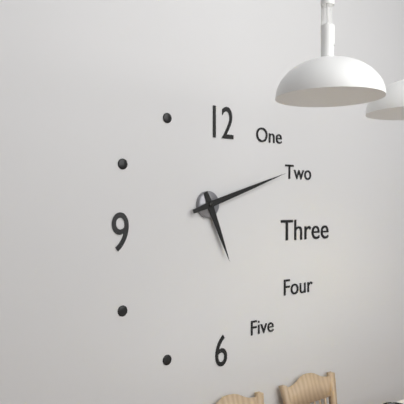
h=5 m=12
